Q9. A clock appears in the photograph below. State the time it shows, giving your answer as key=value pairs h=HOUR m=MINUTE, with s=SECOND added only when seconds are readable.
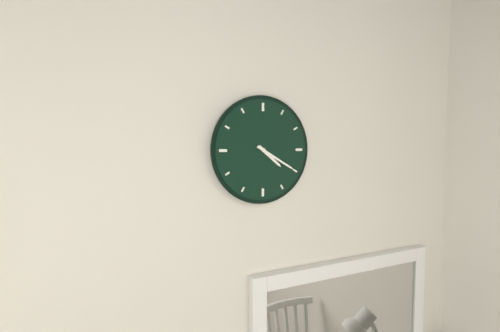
h=4 m=20
